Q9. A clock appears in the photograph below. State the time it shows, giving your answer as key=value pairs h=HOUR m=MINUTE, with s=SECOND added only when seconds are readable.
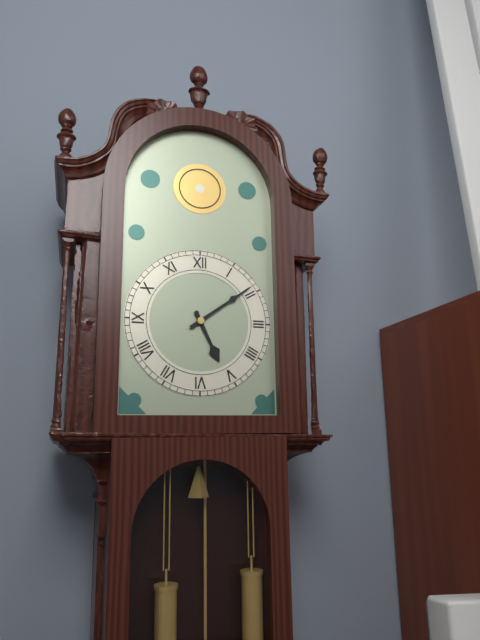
h=5 m=9
